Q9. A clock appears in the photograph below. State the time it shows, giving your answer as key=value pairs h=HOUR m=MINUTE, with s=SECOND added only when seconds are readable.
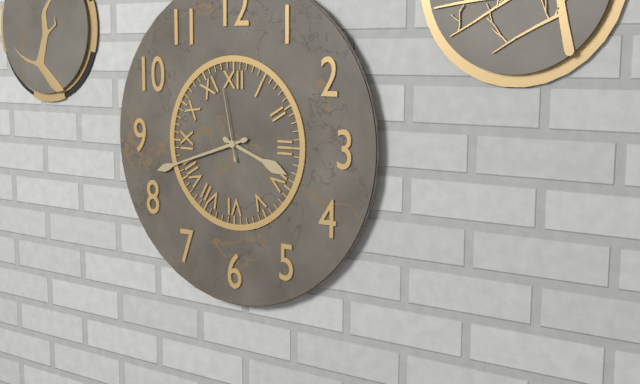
h=3 m=42 s=58
